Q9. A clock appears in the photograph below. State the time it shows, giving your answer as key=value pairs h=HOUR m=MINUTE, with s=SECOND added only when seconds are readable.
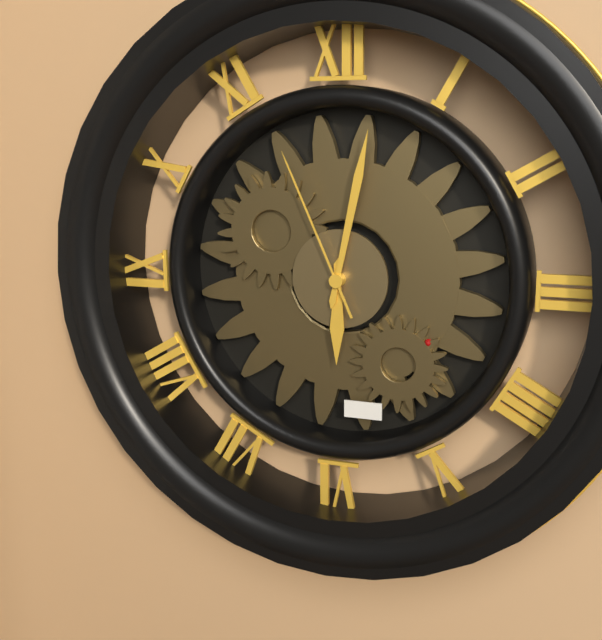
h=6 m=2 s=56
